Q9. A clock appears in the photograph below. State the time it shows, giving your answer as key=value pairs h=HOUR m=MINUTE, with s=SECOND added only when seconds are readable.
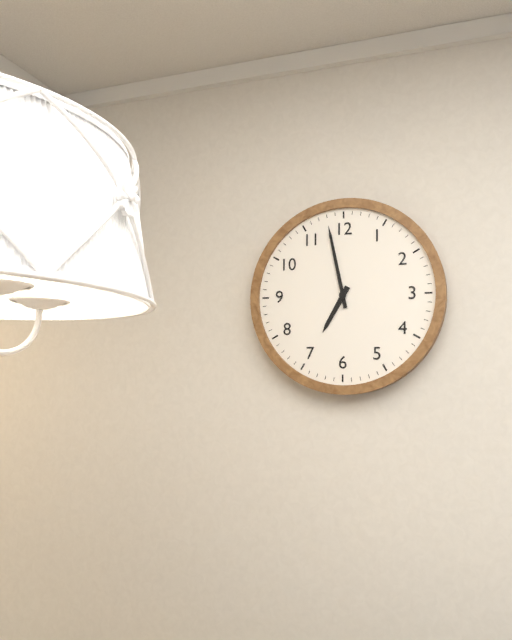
h=6 m=58
